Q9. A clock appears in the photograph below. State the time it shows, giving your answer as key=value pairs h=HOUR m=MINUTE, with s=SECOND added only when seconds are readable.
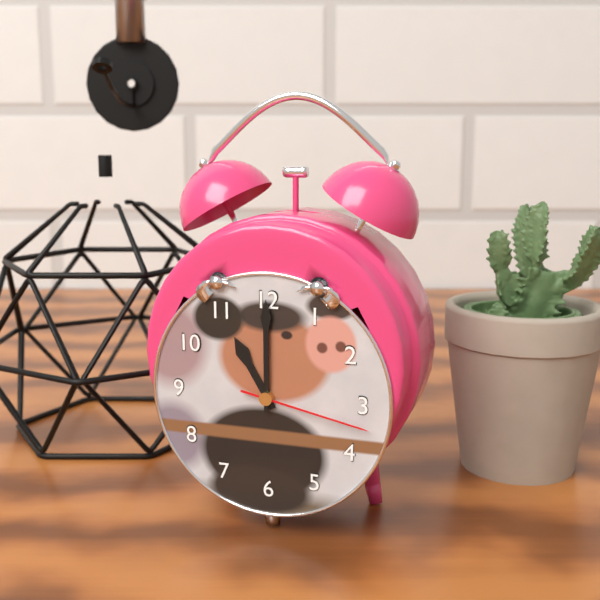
h=11 m=0 s=17
